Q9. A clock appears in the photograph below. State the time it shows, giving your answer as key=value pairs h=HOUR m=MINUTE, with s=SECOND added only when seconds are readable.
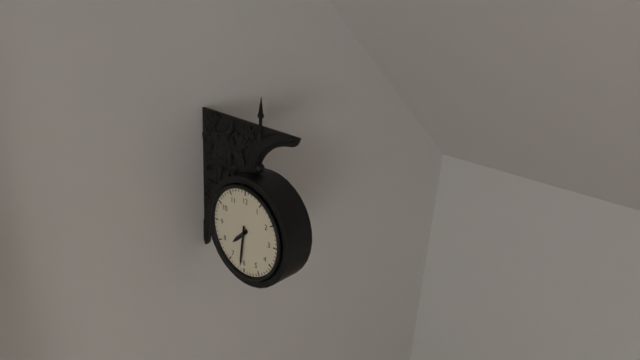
h=7 m=31
